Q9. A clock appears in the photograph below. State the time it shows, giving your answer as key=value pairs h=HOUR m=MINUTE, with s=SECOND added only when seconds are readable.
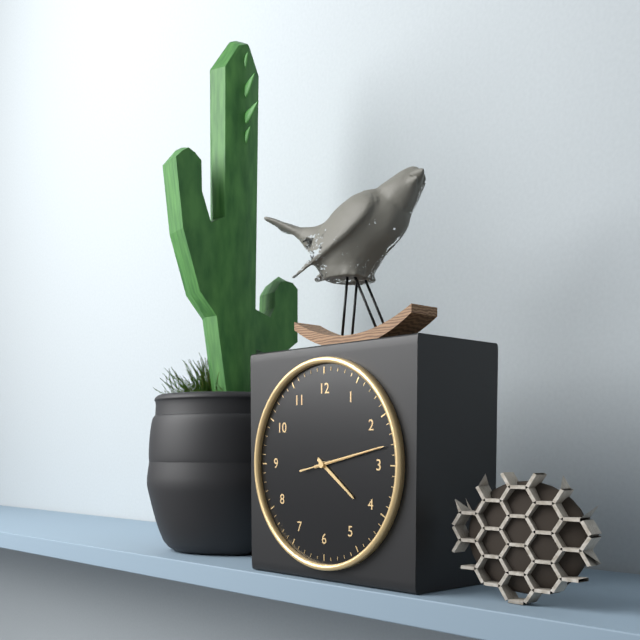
h=4 m=13 s=13
